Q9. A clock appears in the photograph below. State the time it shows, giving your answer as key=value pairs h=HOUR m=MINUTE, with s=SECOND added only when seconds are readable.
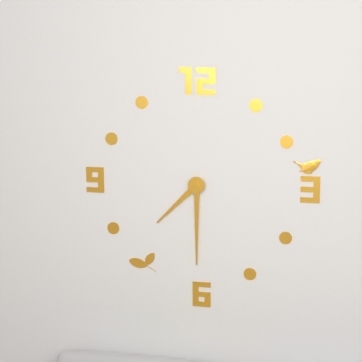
h=7 m=30
